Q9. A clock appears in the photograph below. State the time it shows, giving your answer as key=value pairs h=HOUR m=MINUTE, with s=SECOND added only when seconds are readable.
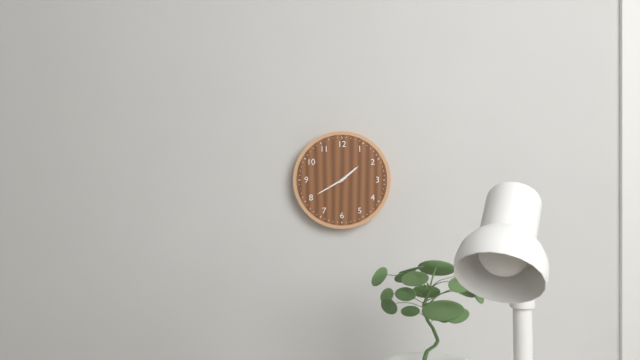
h=1 m=40
